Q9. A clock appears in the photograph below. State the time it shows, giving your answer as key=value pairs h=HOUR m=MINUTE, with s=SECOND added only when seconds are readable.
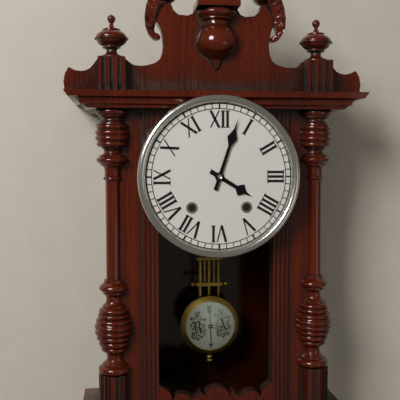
h=4 m=3
